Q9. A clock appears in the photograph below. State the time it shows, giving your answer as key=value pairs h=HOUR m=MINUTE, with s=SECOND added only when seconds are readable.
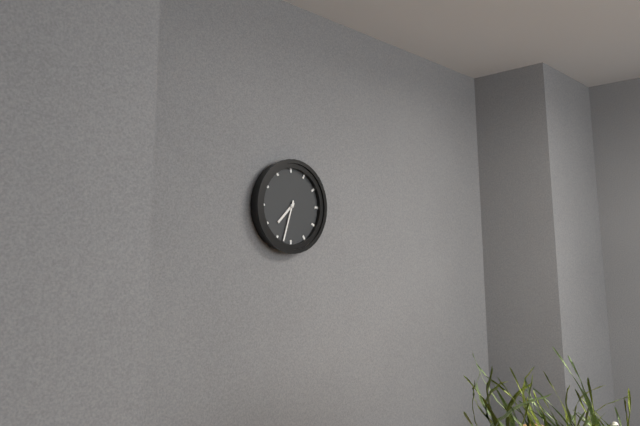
h=7 m=33
